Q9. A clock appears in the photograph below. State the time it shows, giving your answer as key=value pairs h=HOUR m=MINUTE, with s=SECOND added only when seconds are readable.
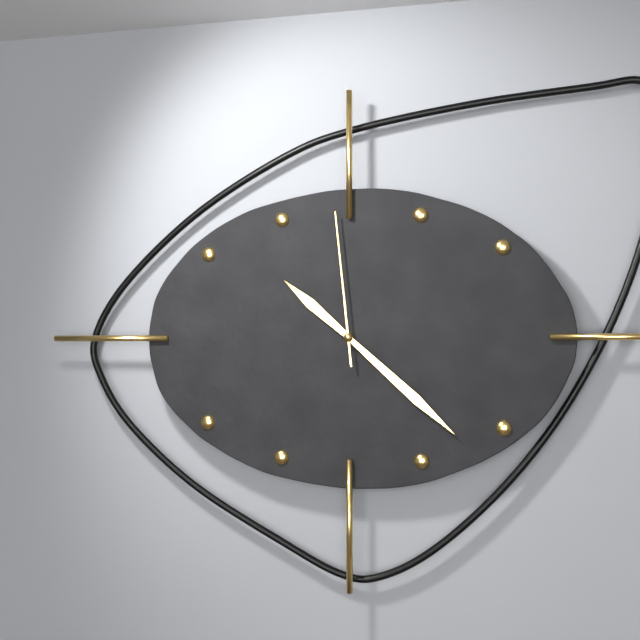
h=10 m=22 s=59
